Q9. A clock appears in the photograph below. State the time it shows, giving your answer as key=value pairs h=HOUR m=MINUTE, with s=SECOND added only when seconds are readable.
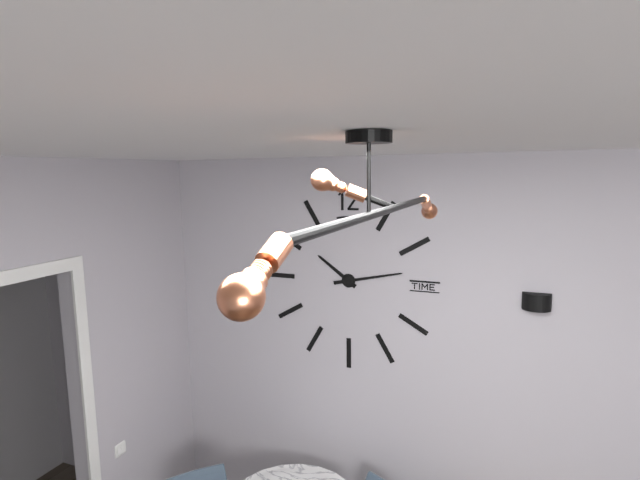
h=10 m=13
